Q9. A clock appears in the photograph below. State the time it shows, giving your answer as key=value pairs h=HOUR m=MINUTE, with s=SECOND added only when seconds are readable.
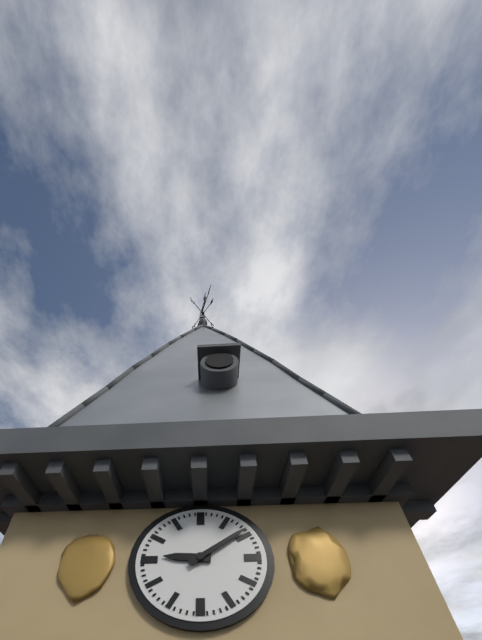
h=9 m=9
